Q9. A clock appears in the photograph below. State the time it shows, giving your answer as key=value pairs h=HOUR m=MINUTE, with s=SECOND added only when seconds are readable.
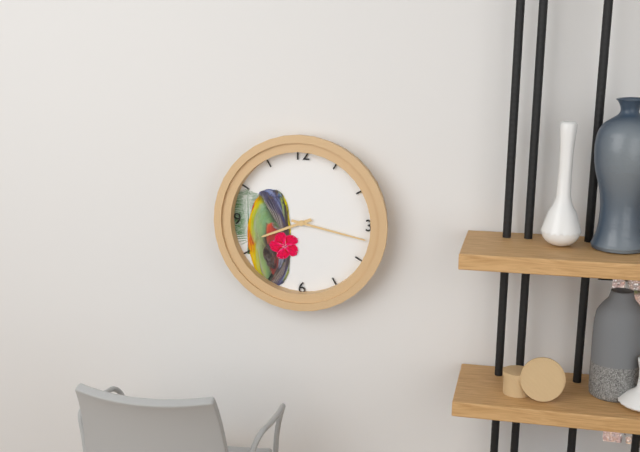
h=8 m=17
